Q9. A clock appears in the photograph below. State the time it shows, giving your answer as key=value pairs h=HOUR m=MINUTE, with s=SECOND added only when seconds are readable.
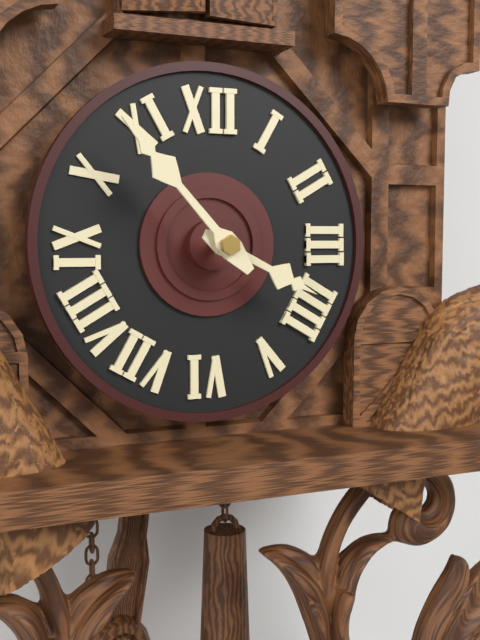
h=3 m=53
